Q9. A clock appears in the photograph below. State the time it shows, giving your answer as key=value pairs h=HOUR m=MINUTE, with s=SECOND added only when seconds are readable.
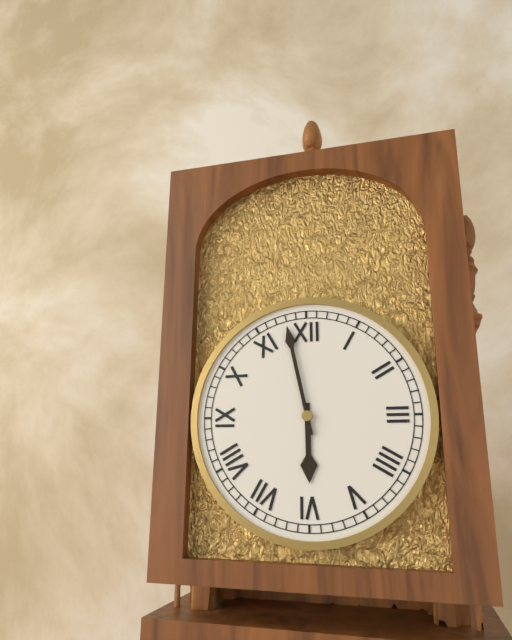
h=5 m=58
